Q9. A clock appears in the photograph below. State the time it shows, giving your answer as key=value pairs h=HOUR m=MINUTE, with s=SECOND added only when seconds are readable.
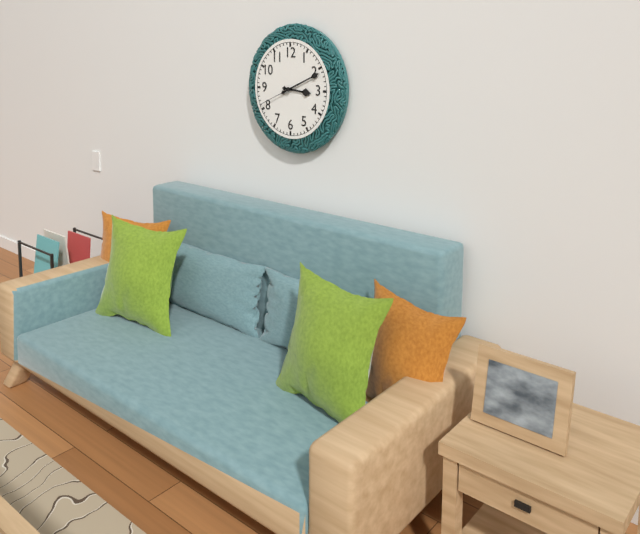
h=3 m=11
